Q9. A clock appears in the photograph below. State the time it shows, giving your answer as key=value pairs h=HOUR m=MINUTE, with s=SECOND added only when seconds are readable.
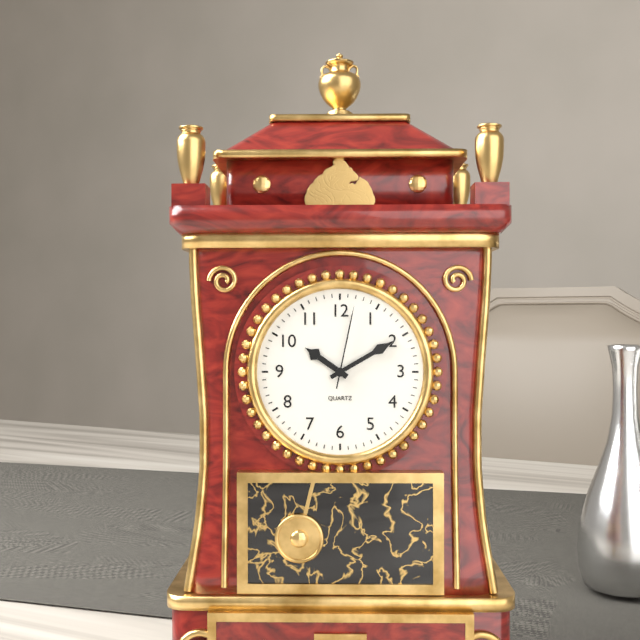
h=10 m=10 s=2
